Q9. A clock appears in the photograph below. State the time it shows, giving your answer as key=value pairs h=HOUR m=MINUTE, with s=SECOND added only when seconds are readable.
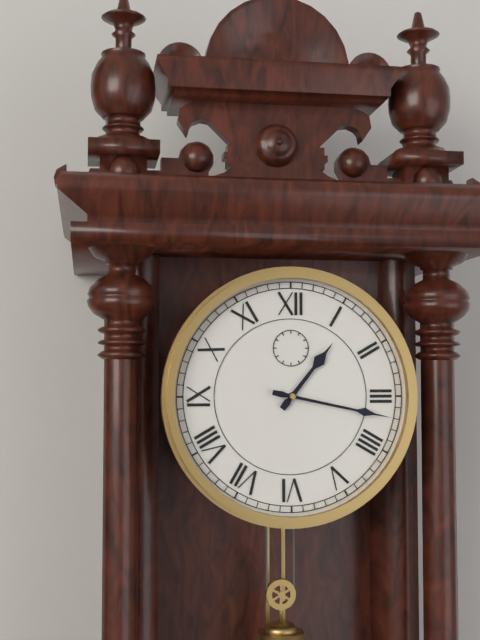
h=1 m=17
